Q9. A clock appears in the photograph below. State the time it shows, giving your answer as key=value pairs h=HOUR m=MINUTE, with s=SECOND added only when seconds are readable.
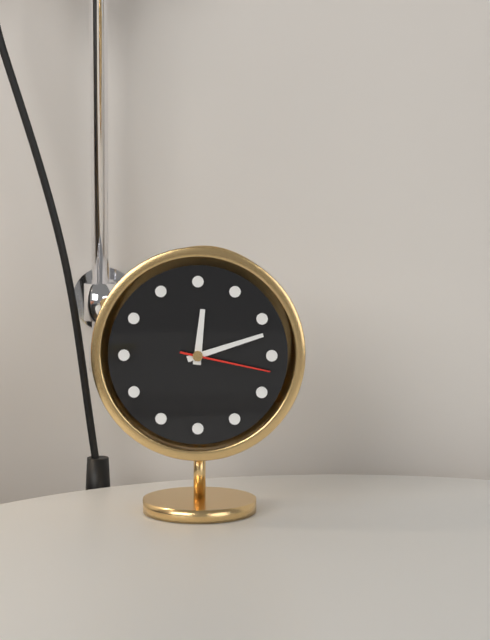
h=12 m=12 s=17
